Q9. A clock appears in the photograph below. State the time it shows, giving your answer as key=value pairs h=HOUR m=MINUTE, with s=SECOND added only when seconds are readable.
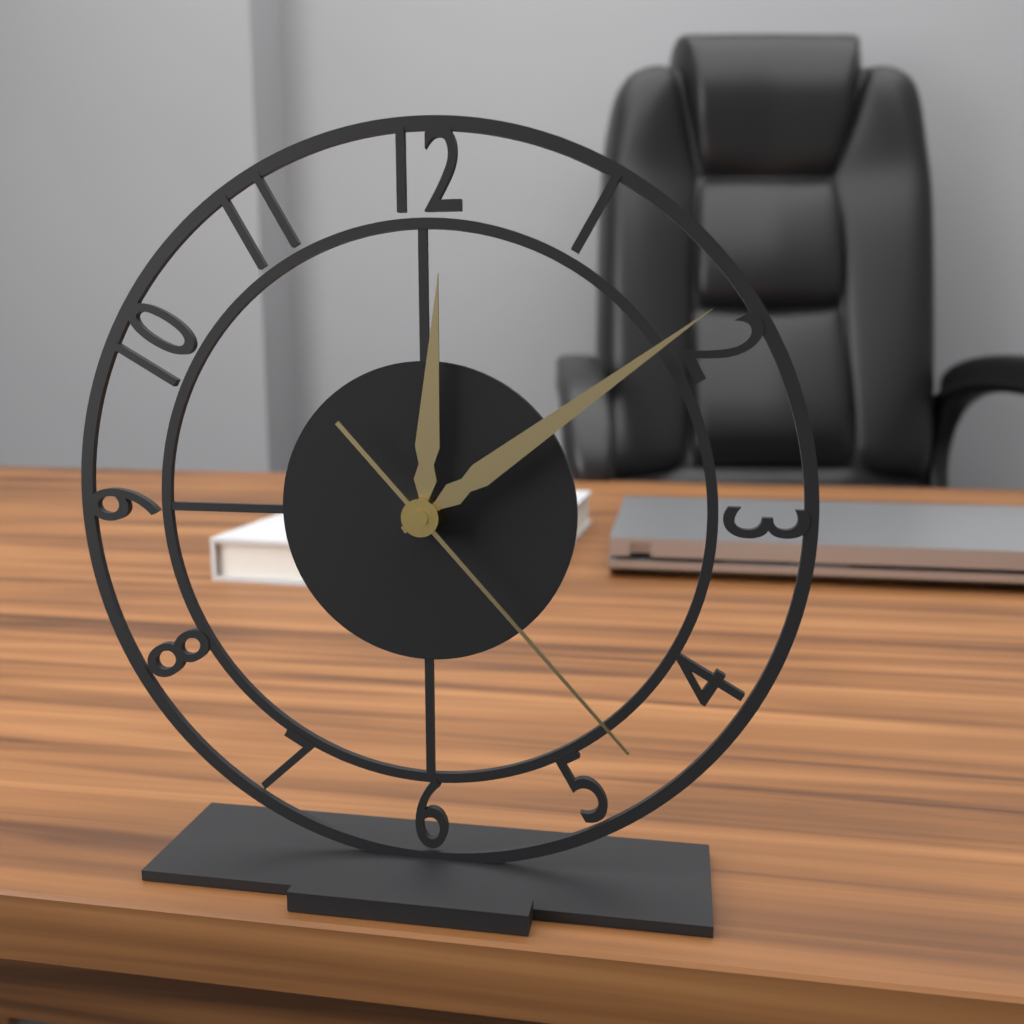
h=12 m=9 s=23
